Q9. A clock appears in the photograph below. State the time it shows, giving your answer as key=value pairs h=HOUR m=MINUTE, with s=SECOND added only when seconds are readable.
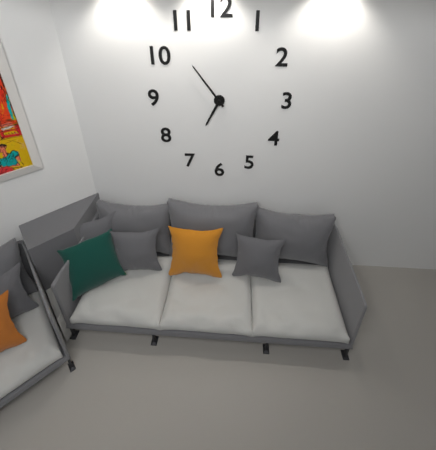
h=6 m=54
